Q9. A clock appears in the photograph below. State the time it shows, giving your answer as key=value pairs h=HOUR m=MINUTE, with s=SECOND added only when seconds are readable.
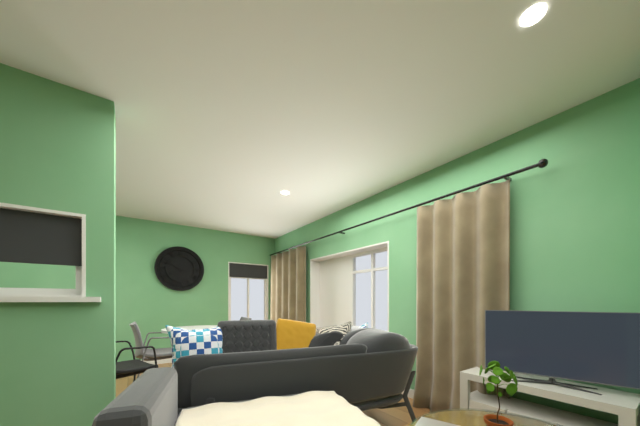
h=7 m=49
